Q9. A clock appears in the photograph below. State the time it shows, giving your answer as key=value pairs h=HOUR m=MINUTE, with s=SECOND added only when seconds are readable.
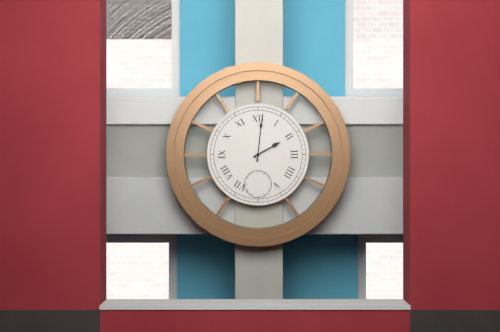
h=2 m=1
